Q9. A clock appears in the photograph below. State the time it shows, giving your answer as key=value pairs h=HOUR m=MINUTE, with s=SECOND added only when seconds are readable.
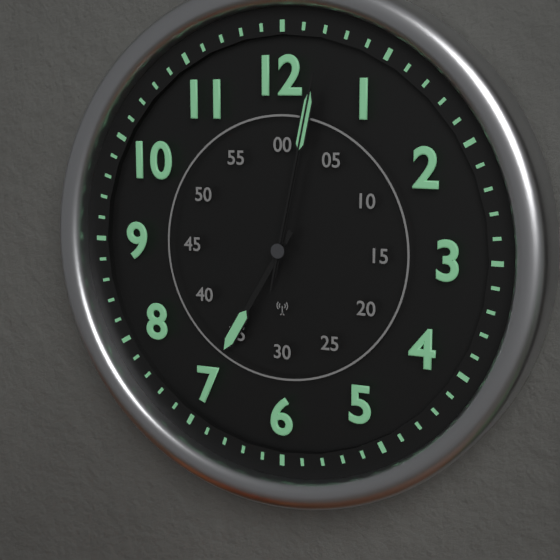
h=7 m=2 s=2
